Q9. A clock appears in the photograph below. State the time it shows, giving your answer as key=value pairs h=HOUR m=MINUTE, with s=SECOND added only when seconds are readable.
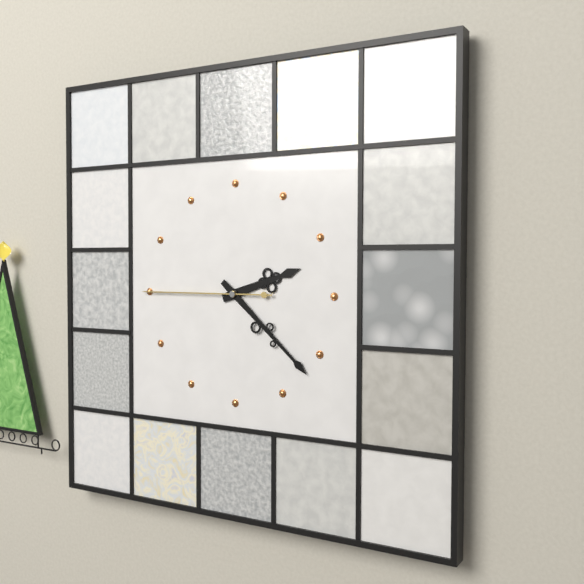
h=2 m=22 s=45
